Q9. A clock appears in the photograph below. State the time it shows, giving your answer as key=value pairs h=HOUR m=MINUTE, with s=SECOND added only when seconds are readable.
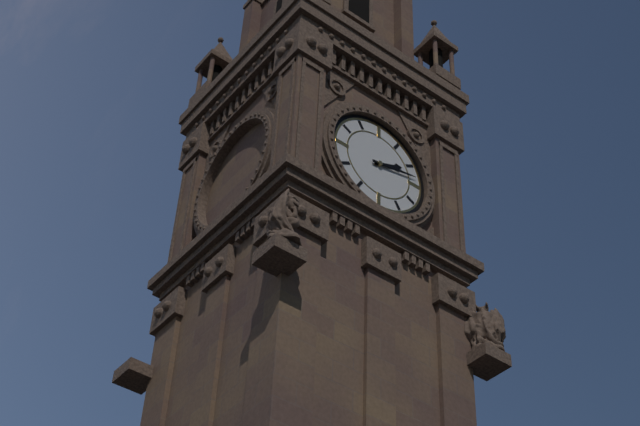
h=2 m=13
